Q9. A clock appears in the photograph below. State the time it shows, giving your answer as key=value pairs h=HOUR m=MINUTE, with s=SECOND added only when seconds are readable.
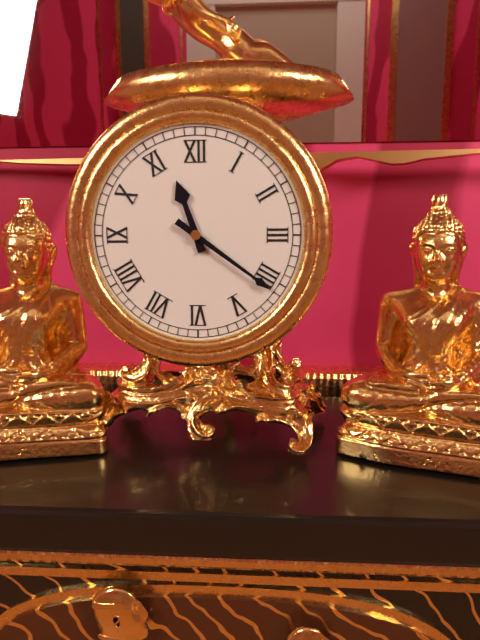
h=11 m=21
